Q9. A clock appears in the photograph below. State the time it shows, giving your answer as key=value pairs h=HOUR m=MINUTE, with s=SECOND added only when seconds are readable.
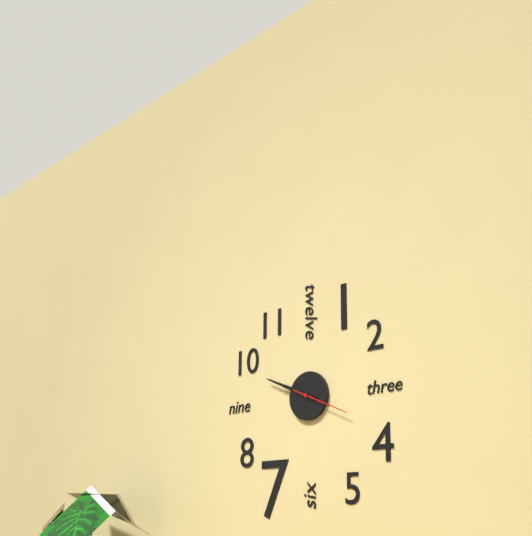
h=9 m=49 s=19
